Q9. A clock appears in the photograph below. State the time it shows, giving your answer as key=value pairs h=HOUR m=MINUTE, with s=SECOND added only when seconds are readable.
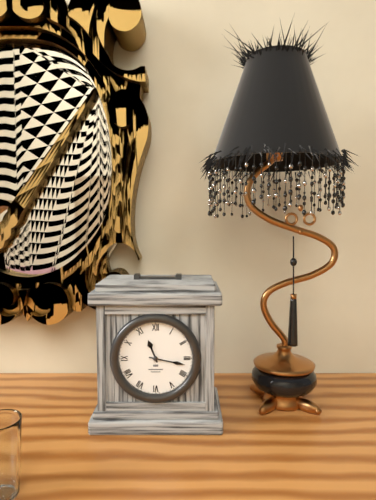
h=11 m=17
